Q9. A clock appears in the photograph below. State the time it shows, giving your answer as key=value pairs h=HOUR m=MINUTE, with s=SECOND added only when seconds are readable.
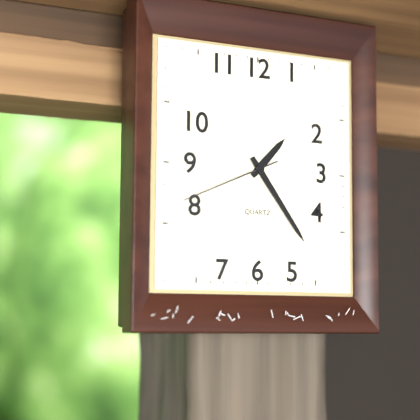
h=1 m=24 s=41
